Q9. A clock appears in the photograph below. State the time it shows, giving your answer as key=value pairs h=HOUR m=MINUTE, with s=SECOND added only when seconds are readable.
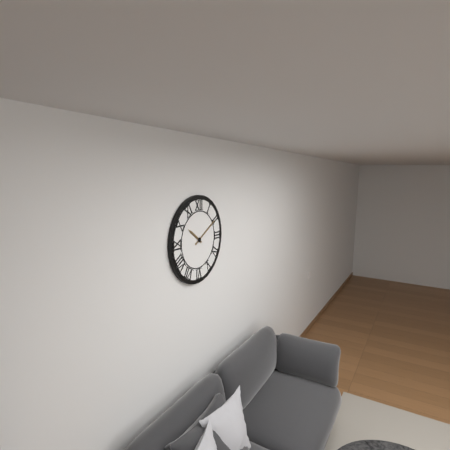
h=10 m=10
